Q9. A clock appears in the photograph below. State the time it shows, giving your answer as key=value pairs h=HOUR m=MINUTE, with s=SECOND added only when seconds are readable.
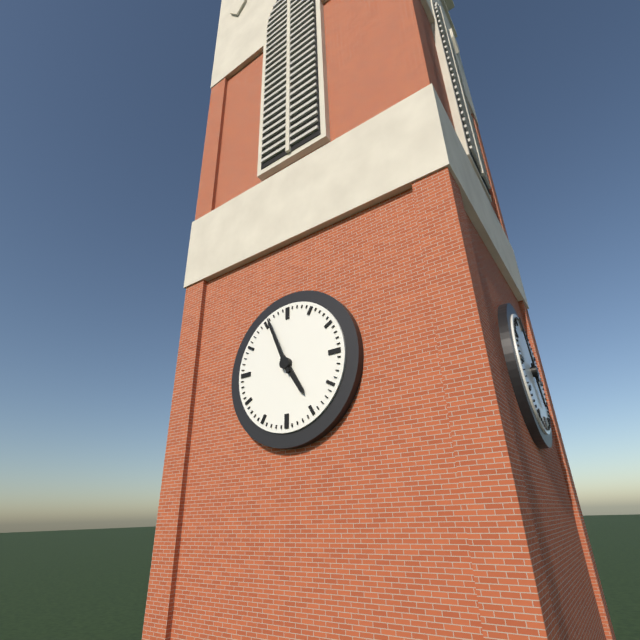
h=4 m=56
